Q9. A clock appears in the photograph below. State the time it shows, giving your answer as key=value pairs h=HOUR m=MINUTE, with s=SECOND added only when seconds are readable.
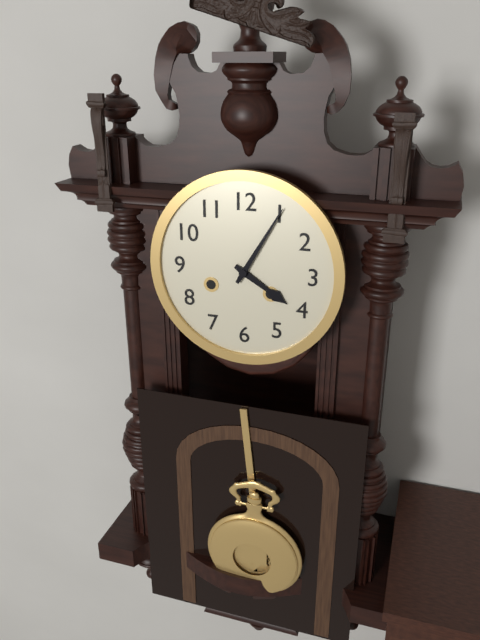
h=4 m=5
